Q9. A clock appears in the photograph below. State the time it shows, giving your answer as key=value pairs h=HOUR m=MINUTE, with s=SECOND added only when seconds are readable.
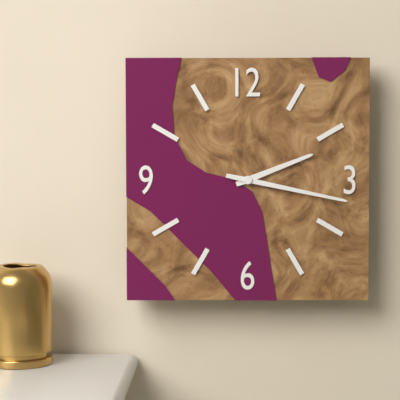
h=2 m=17
